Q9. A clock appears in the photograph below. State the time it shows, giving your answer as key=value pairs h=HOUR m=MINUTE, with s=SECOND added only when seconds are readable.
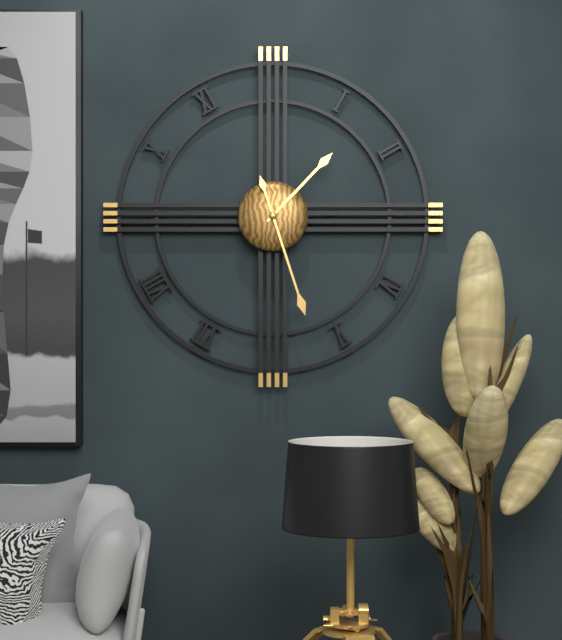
h=1 m=27
